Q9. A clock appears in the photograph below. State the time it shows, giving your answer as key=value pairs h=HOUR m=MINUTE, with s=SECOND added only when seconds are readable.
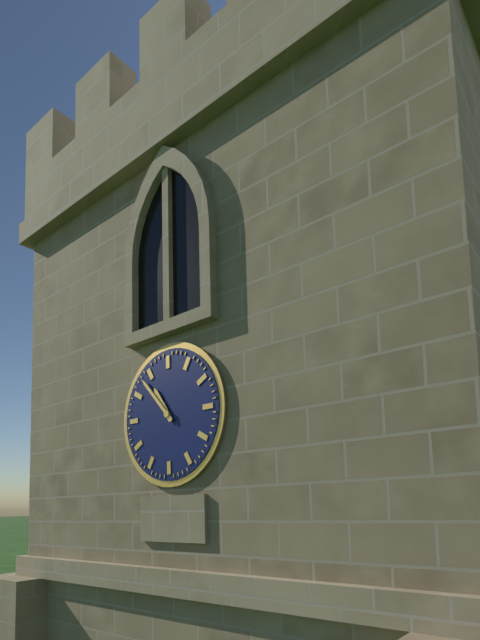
h=10 m=53
